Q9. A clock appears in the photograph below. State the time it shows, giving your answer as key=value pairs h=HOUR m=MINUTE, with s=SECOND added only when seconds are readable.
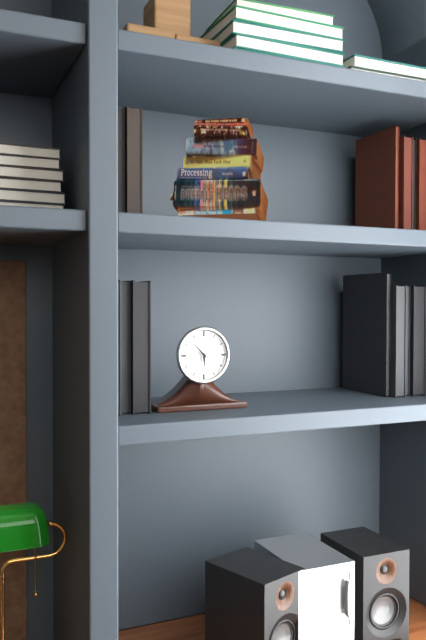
h=5 m=53
